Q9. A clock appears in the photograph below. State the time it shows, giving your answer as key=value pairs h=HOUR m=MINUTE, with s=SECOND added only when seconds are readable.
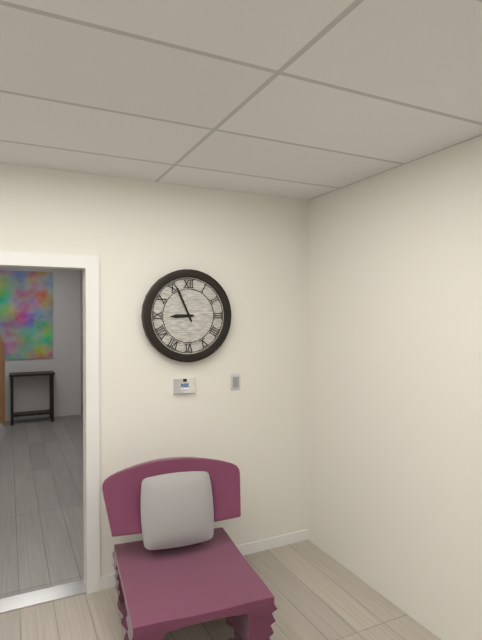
h=8 m=56
